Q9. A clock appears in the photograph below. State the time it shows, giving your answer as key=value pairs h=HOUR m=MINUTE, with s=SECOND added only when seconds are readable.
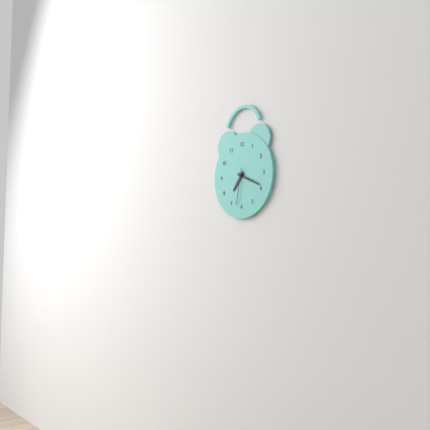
h=7 m=19
